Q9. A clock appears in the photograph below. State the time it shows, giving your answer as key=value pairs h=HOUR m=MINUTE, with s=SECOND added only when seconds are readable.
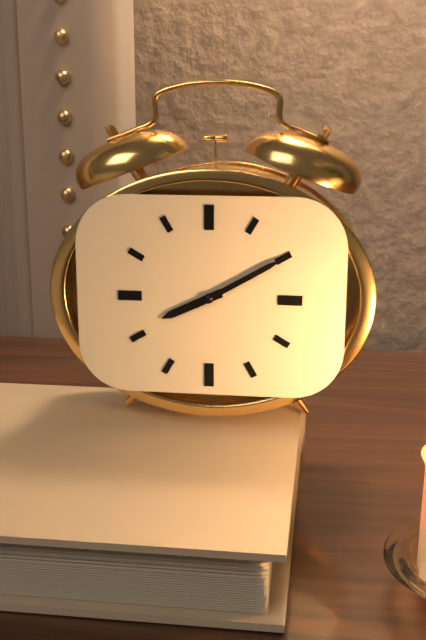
h=8 m=10
